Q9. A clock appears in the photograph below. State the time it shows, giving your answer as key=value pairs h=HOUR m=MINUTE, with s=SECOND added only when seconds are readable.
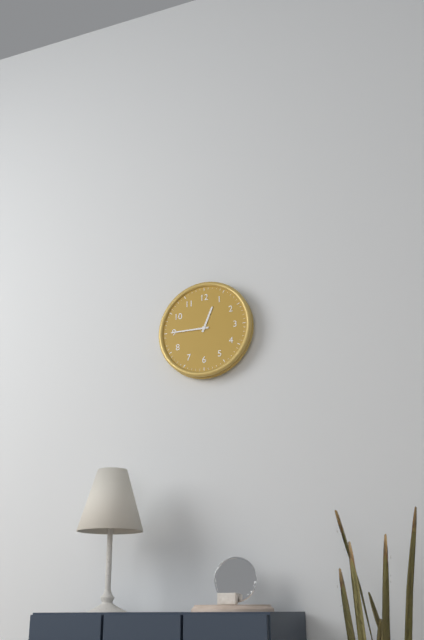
h=12 m=45
